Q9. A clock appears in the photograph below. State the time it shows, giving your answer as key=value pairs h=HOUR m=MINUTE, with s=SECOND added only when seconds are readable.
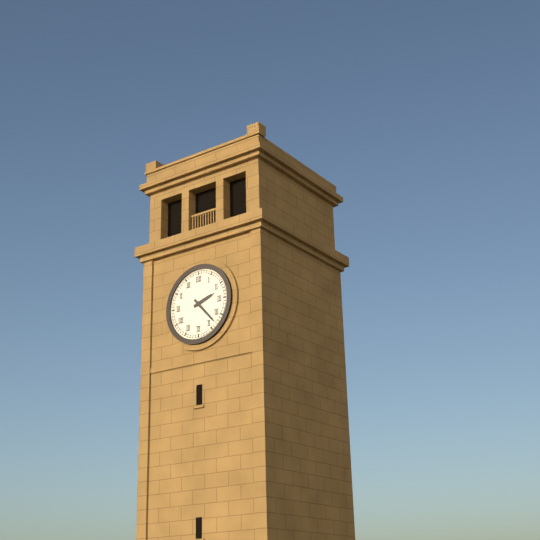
h=2 m=23
